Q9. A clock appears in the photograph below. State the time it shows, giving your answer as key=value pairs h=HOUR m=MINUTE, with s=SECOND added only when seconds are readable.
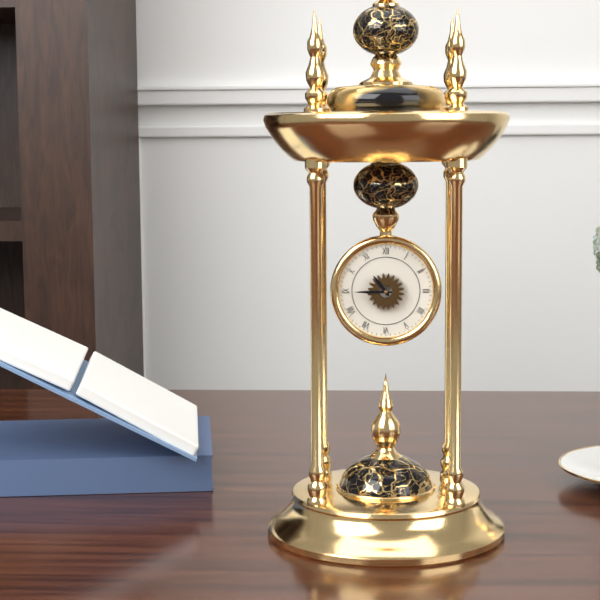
h=10 m=45
